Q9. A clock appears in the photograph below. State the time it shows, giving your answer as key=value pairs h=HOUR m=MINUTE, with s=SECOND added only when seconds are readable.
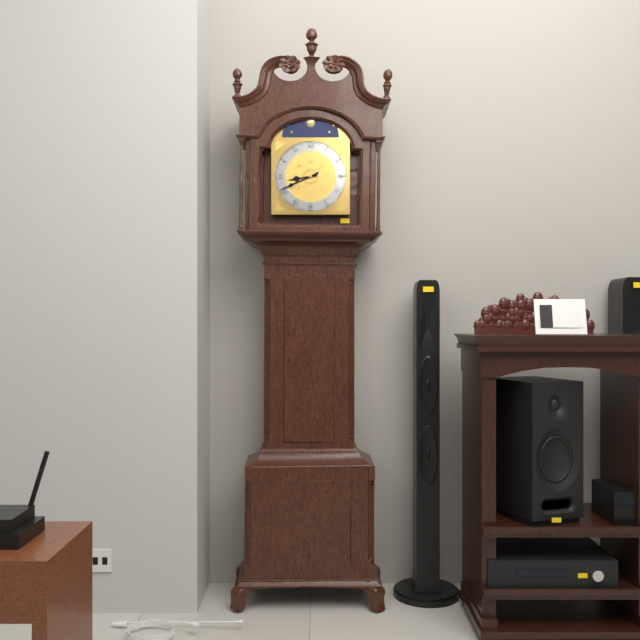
h=8 m=41
